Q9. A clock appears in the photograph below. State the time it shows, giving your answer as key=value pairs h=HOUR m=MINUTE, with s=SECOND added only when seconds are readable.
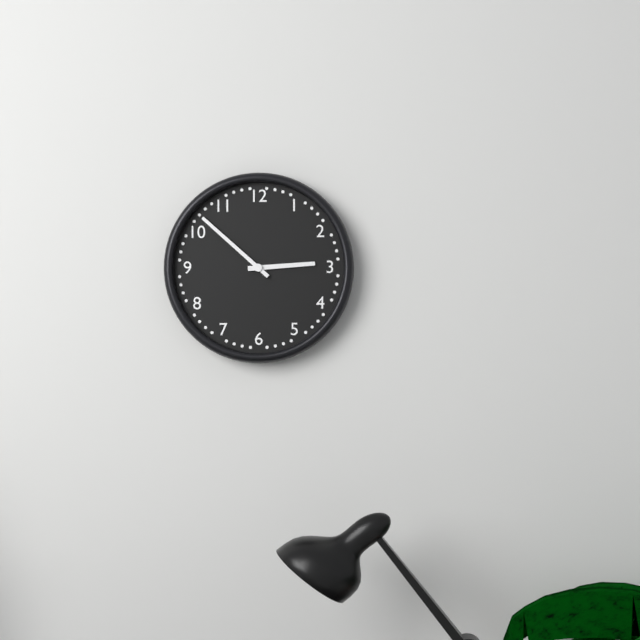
h=2 m=52
